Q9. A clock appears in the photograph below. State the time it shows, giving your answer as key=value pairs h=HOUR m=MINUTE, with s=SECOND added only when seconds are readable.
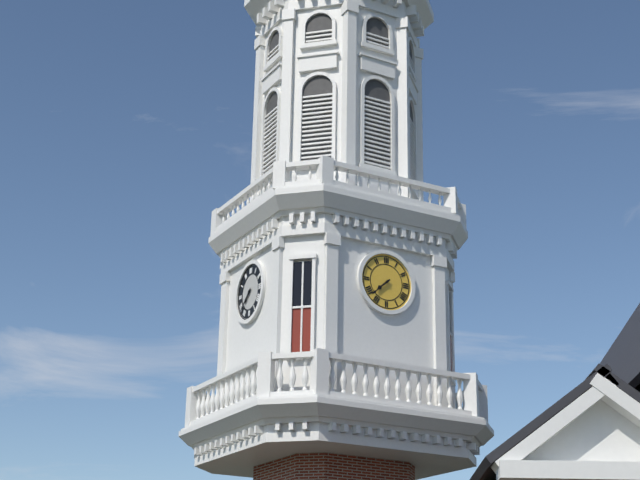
h=7 m=38
